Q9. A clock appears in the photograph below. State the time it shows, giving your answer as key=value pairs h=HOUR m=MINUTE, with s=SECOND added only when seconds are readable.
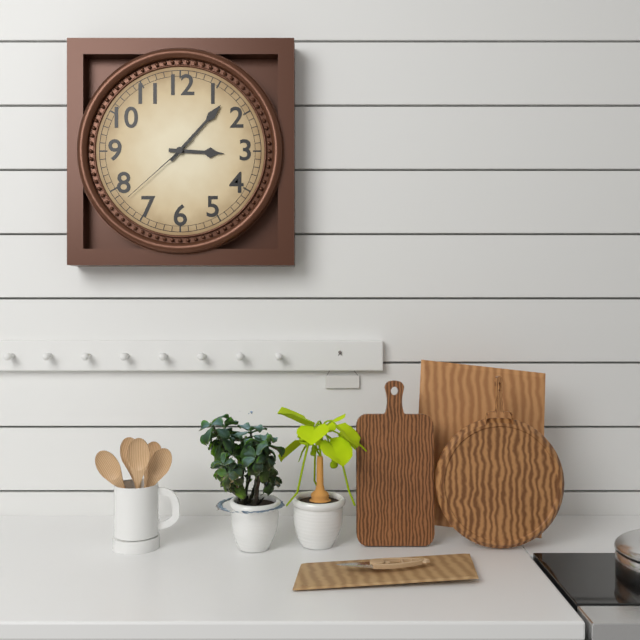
h=3 m=7 s=38
